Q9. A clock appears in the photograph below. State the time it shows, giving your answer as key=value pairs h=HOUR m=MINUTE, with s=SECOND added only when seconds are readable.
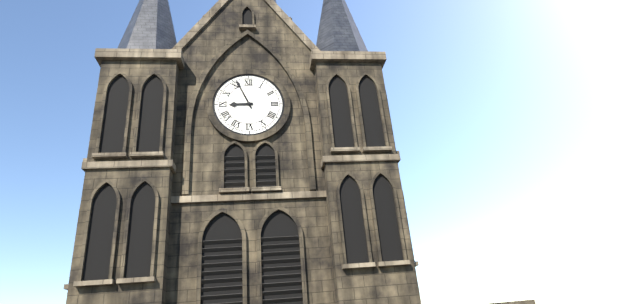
h=8 m=56
